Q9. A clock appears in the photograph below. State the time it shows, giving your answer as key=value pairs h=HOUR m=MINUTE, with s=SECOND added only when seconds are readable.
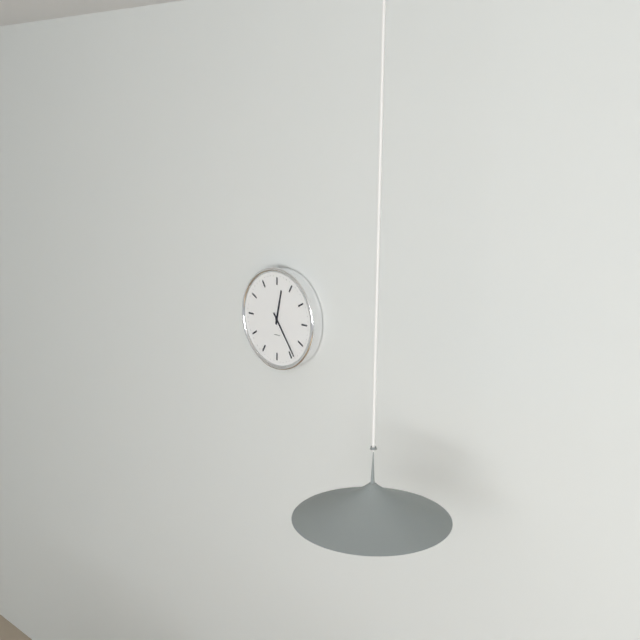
h=12 m=24
